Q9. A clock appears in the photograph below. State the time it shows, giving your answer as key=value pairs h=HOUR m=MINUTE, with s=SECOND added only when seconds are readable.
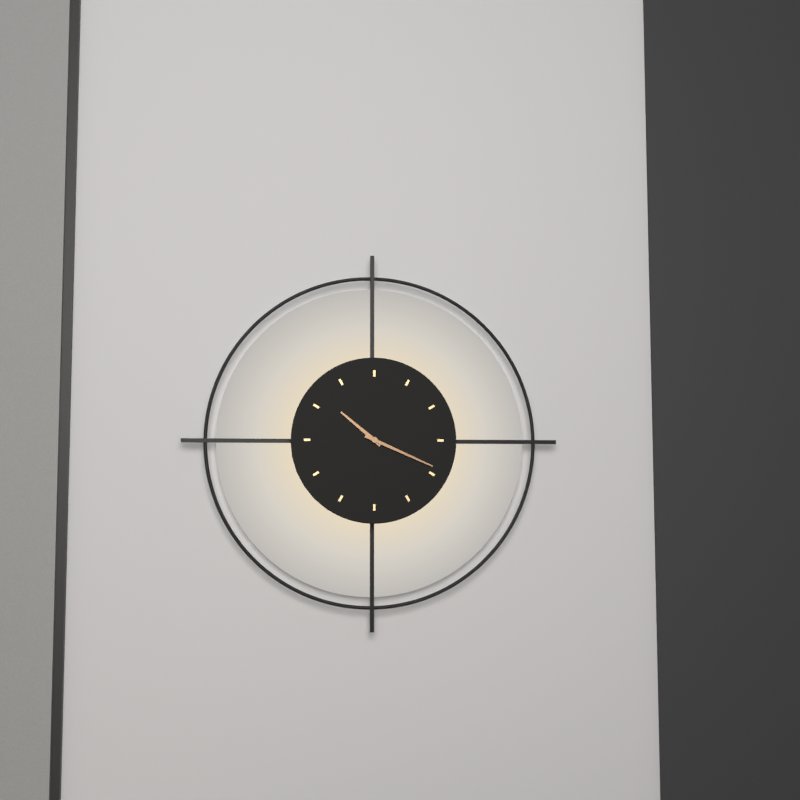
h=10 m=19
